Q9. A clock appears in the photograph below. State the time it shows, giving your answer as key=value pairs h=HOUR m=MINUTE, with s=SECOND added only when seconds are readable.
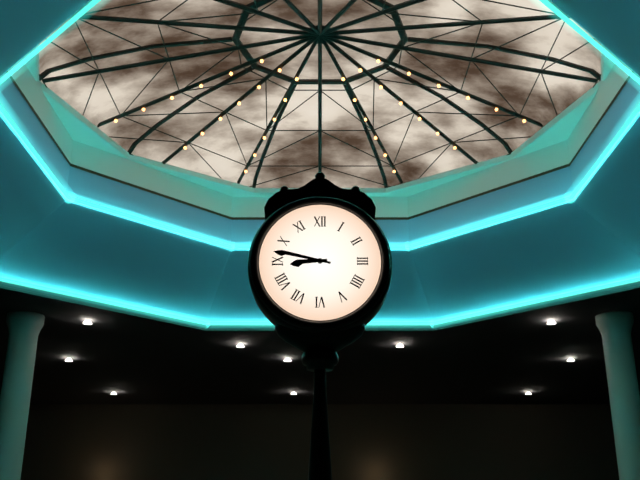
h=8 m=47
